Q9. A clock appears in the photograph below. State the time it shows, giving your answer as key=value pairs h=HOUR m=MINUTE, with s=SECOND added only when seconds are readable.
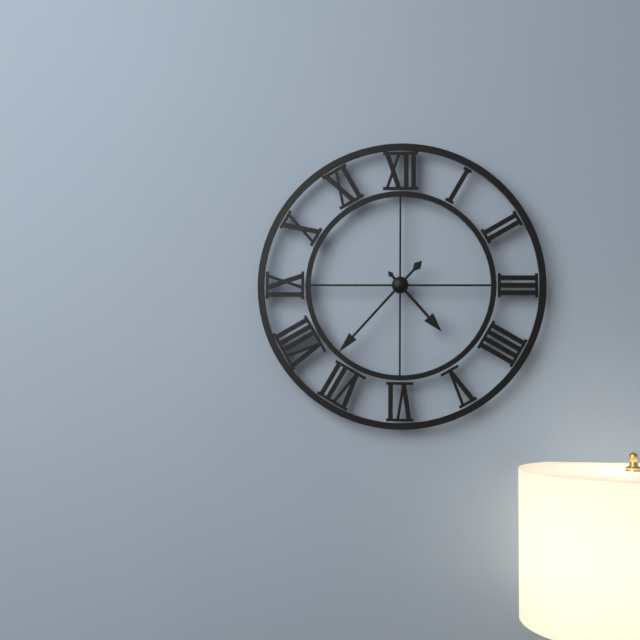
h=4 m=37
